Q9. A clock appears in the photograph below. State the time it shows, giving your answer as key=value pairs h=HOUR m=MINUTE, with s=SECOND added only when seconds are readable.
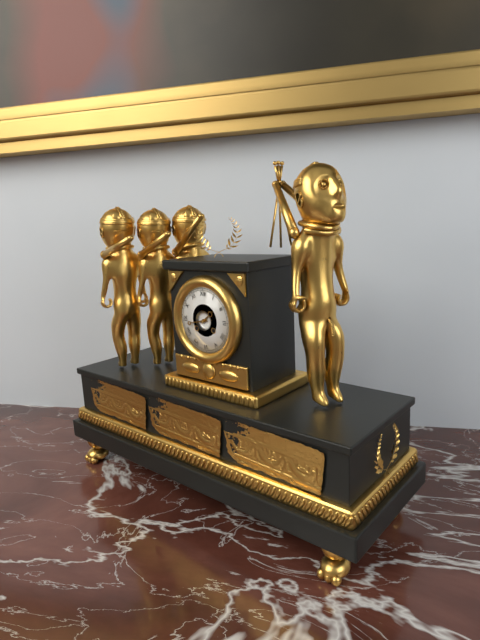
h=1 m=43
